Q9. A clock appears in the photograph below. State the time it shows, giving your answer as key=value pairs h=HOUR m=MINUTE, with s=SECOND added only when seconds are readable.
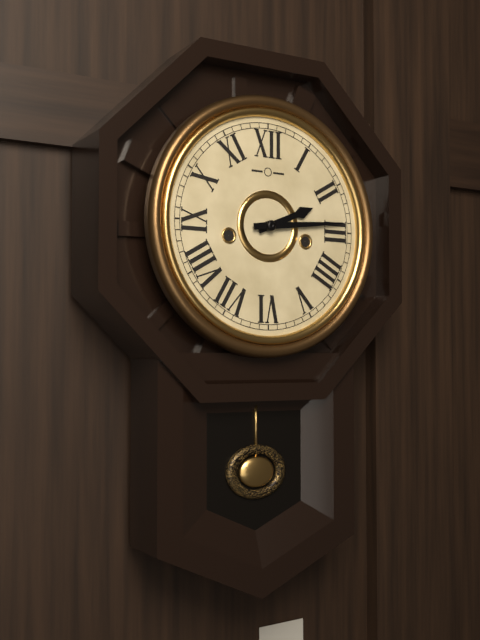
h=2 m=14
